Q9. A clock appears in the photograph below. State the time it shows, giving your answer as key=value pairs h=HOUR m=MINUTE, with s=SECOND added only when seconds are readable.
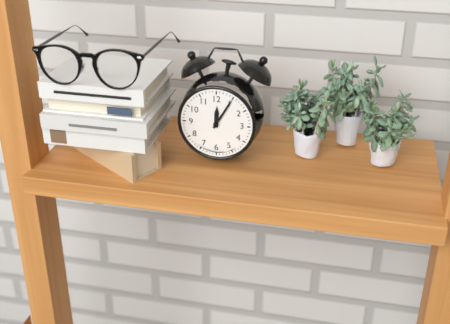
h=12 m=5
